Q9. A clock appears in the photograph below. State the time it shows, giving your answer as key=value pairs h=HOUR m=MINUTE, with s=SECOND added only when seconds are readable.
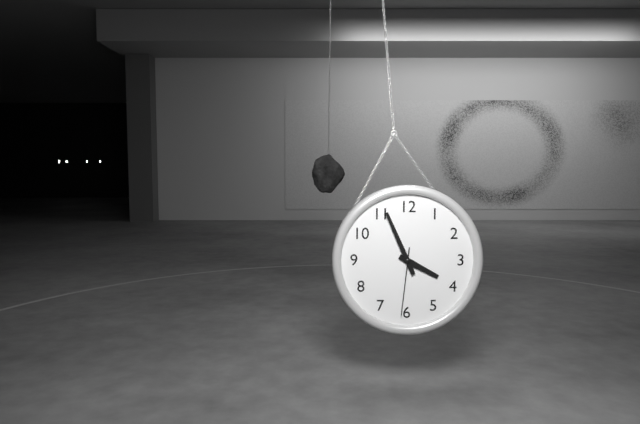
h=3 m=56 s=31
